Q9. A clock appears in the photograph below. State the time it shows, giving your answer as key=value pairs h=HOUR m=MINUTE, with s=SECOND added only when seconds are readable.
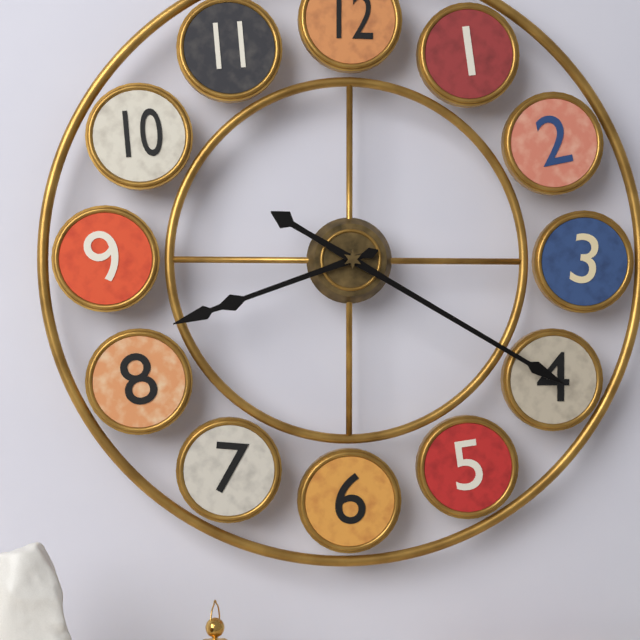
h=8 m=20
